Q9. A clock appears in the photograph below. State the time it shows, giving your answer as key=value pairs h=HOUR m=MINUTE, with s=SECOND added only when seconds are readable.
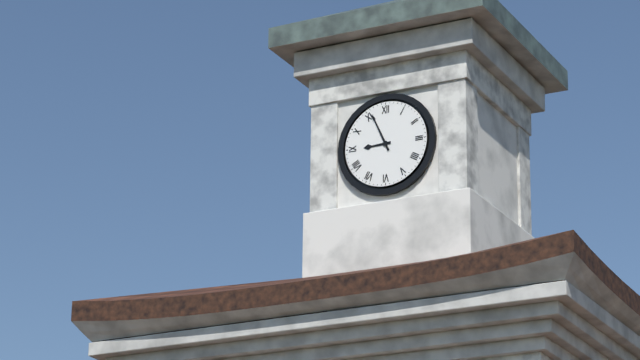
h=8 m=56
